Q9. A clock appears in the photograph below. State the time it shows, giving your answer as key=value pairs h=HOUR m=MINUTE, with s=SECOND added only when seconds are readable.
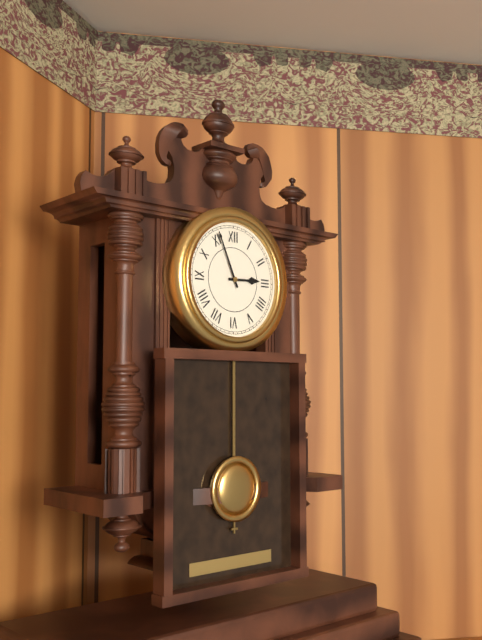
h=2 m=56
